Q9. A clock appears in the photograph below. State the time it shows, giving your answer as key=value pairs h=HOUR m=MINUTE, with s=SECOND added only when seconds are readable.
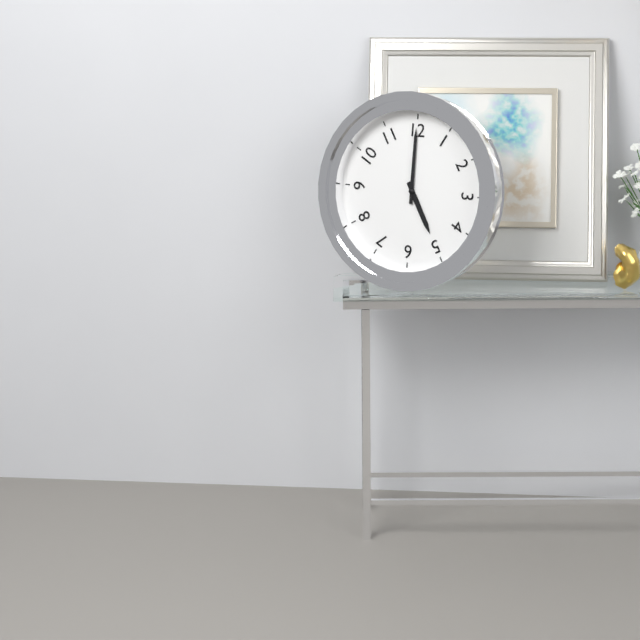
h=5 m=0
